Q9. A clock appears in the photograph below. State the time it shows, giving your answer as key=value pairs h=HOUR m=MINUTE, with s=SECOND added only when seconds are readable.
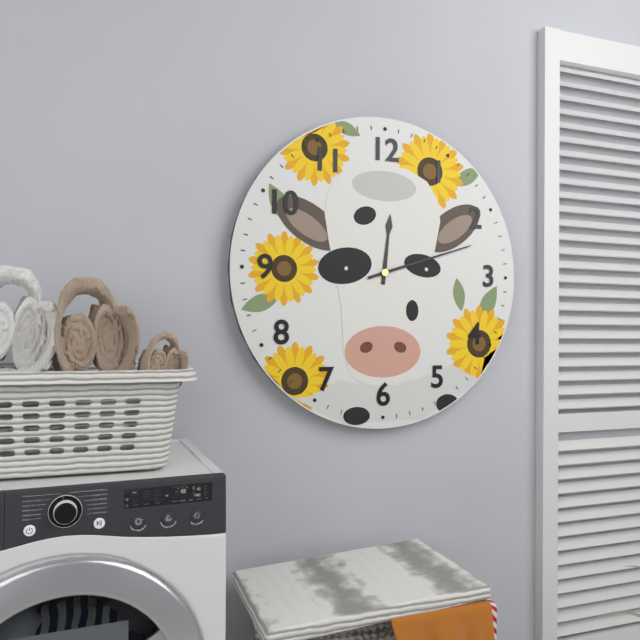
h=12 m=12
